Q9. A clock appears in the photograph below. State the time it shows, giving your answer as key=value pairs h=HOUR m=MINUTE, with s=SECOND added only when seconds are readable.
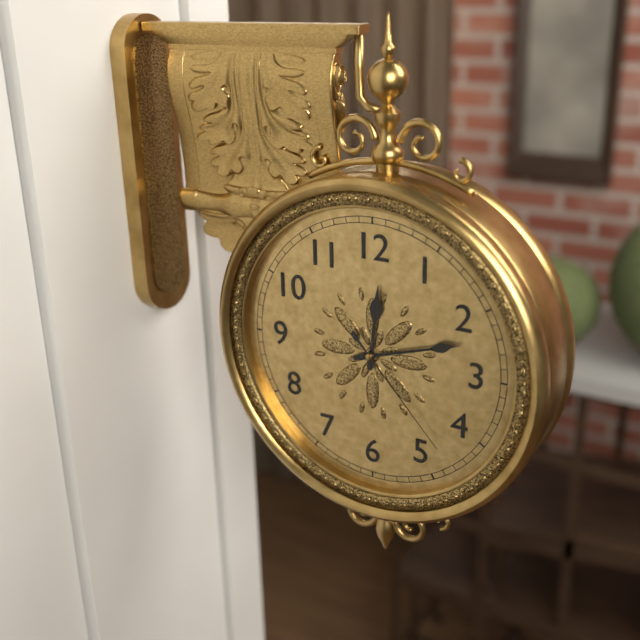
h=12 m=12 s=23
